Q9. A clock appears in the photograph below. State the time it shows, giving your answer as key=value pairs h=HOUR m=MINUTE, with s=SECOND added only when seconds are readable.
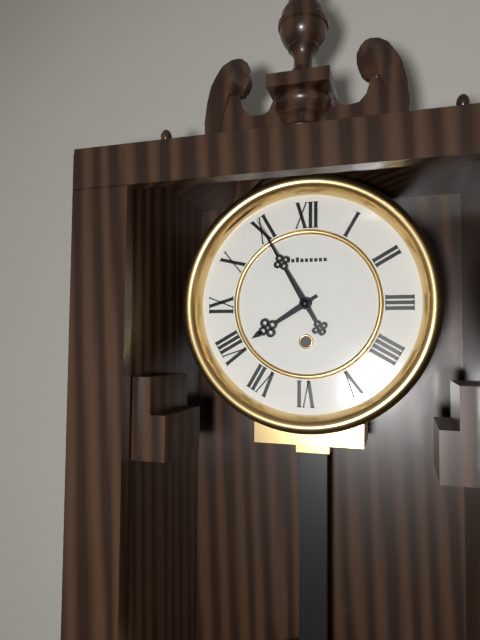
h=7 m=55
